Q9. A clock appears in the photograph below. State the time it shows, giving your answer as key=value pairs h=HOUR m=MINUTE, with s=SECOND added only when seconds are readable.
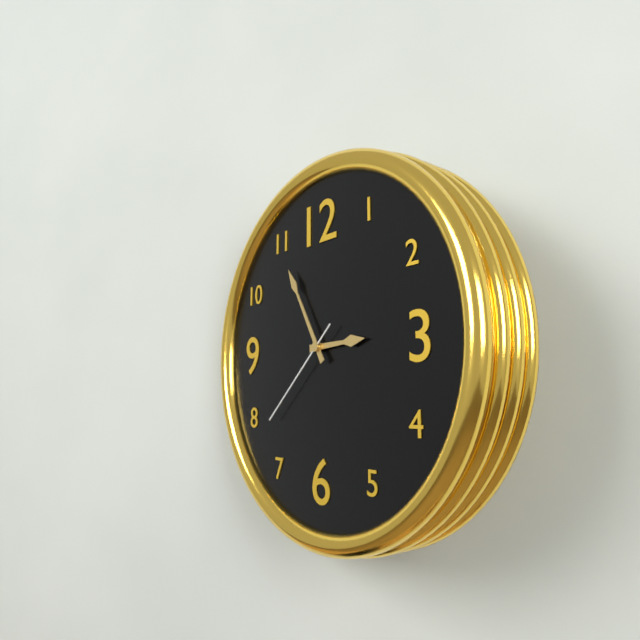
h=2 m=55 s=38
